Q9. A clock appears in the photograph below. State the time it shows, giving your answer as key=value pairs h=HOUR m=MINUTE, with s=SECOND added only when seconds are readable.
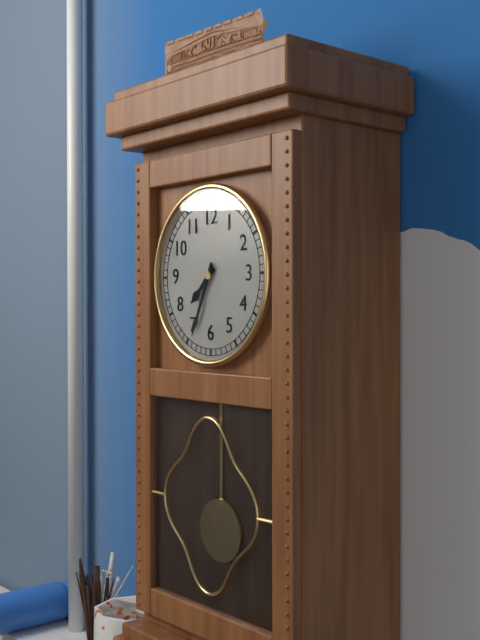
h=7 m=34
